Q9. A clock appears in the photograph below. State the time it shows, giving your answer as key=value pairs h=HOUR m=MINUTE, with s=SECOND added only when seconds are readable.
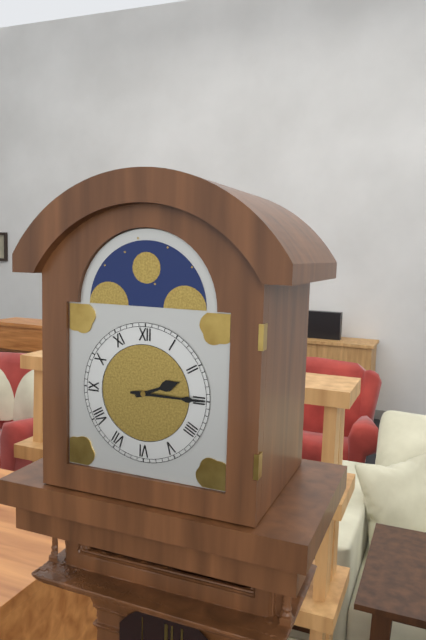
h=2 m=15
